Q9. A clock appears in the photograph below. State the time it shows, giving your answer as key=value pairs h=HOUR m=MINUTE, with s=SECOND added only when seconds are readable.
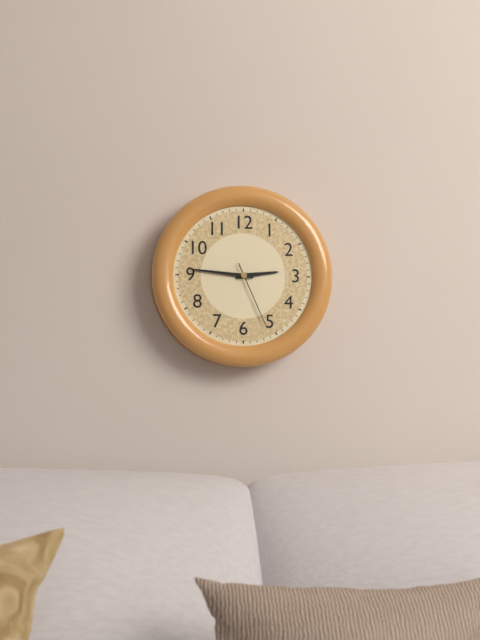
h=2 m=46 s=26
